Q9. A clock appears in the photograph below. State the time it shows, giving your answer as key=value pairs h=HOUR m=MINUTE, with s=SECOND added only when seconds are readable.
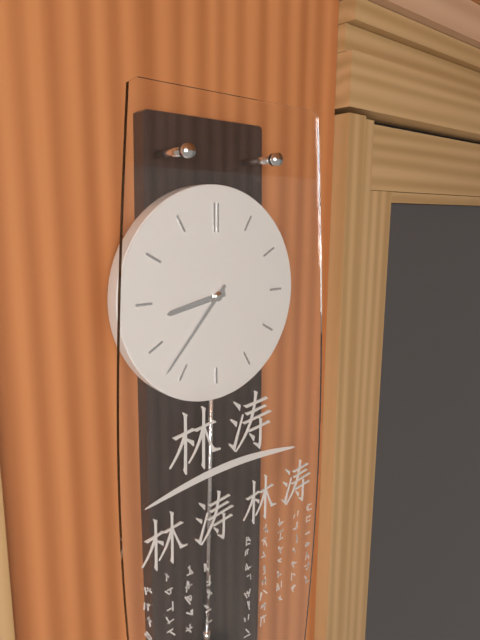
h=8 m=37
